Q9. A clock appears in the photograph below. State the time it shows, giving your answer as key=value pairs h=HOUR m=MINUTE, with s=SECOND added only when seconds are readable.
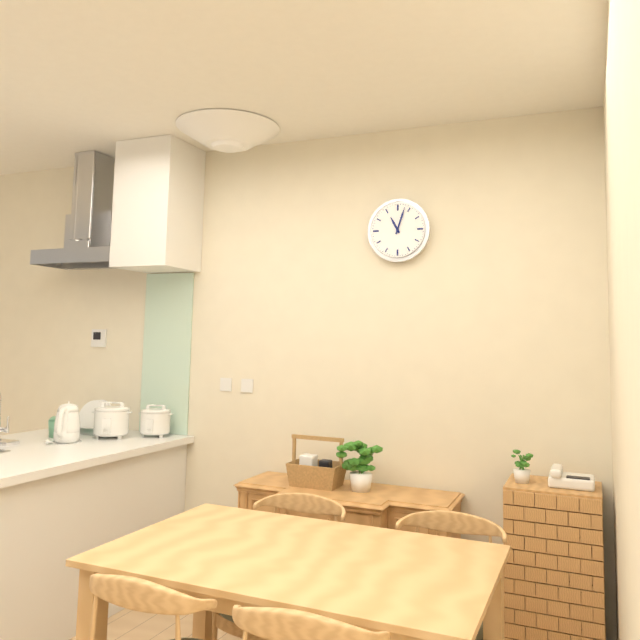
h=11 m=3
